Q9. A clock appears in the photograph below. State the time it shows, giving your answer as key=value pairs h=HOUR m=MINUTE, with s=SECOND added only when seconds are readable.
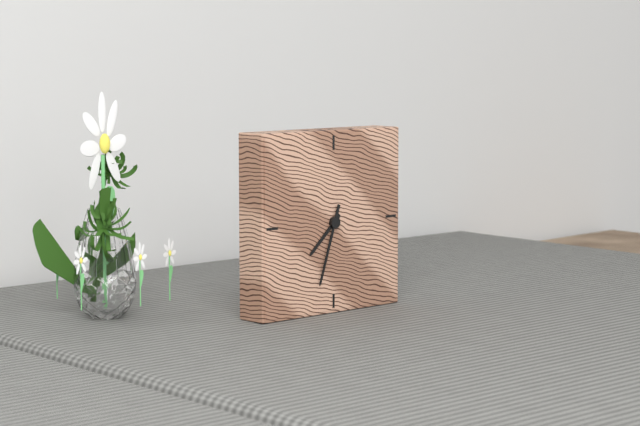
h=7 m=33
